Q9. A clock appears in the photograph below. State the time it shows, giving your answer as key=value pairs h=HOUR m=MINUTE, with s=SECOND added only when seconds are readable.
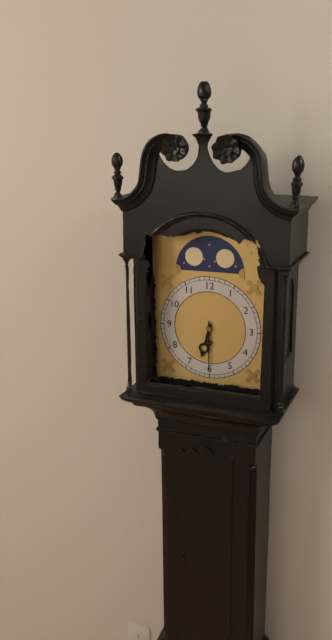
h=6 m=30
